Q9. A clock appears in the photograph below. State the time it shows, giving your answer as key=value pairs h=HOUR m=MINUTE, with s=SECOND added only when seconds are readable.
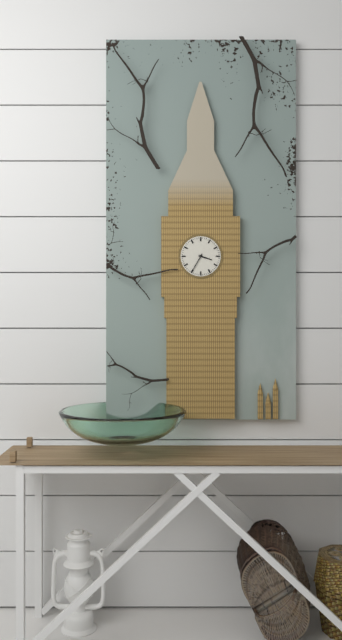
h=3 m=35
